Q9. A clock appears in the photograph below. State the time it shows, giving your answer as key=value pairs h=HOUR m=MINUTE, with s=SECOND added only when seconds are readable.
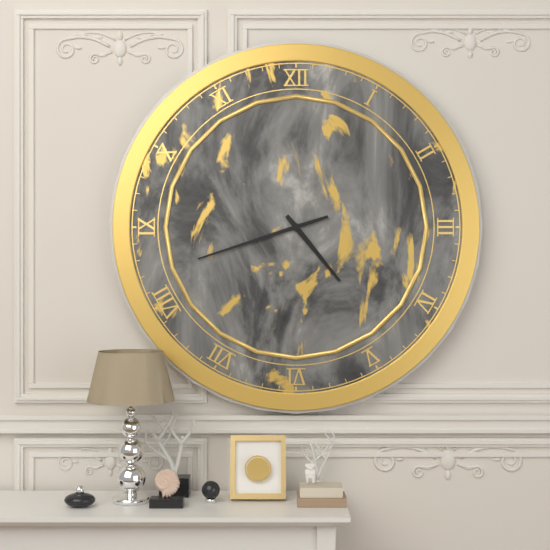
h=4 m=42
